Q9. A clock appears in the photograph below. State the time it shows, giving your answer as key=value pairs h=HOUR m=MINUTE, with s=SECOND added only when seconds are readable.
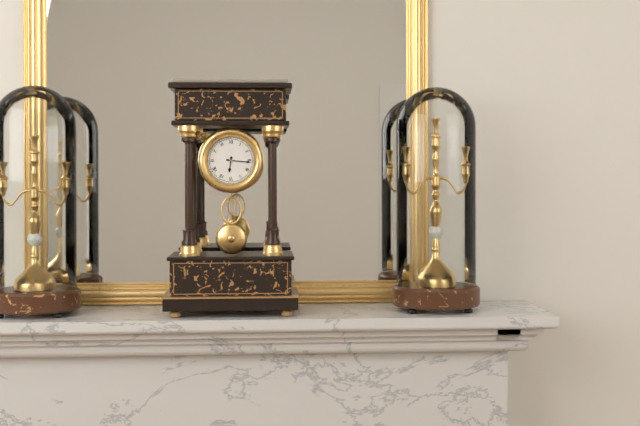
h=6 m=16
